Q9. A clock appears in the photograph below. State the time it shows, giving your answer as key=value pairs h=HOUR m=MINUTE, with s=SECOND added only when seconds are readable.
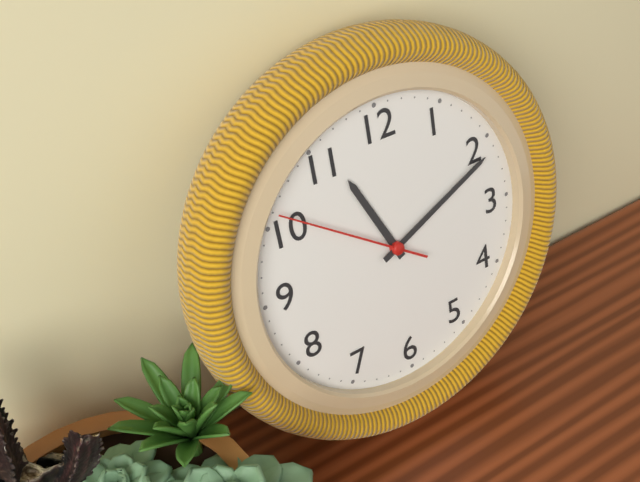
h=11 m=11 s=51
